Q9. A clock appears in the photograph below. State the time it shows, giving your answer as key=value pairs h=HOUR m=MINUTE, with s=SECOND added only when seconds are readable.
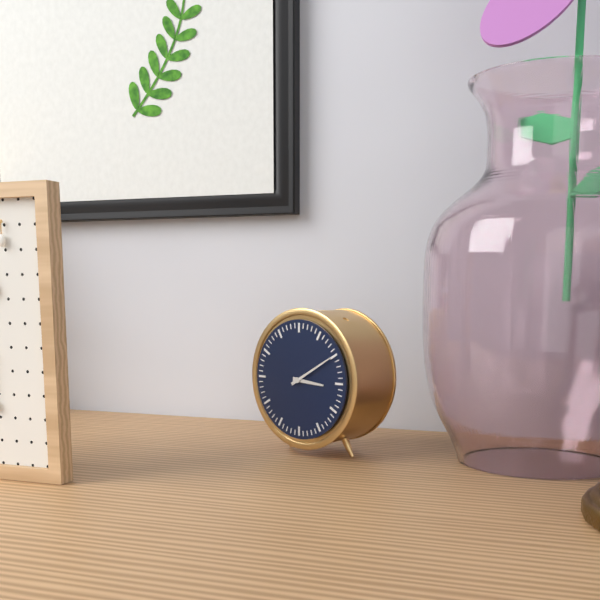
h=3 m=10
